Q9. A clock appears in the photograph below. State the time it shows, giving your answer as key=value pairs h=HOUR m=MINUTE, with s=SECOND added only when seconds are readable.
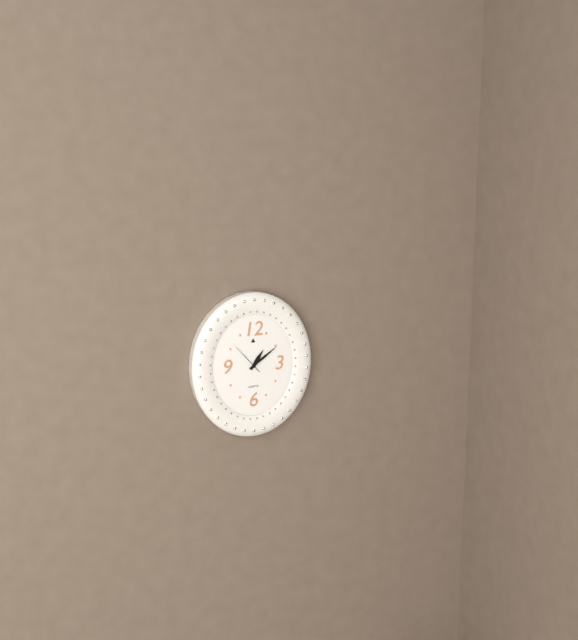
h=1 m=9
